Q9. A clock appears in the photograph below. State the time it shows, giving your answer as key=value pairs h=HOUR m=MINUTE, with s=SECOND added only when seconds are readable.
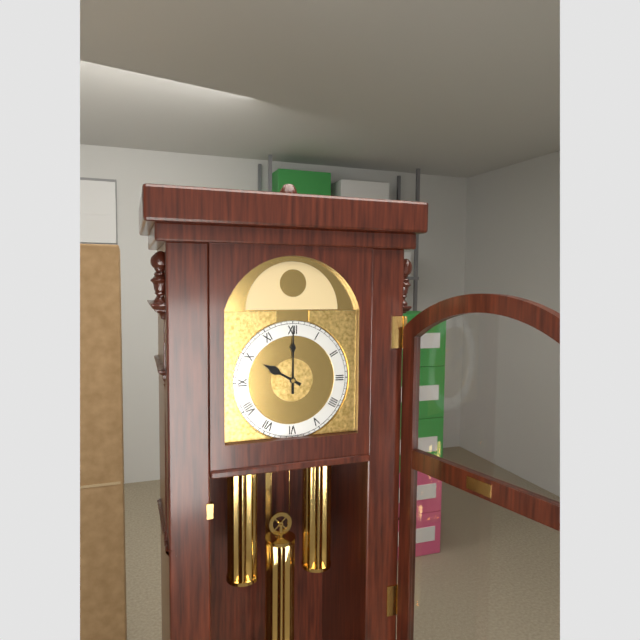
h=10 m=0
